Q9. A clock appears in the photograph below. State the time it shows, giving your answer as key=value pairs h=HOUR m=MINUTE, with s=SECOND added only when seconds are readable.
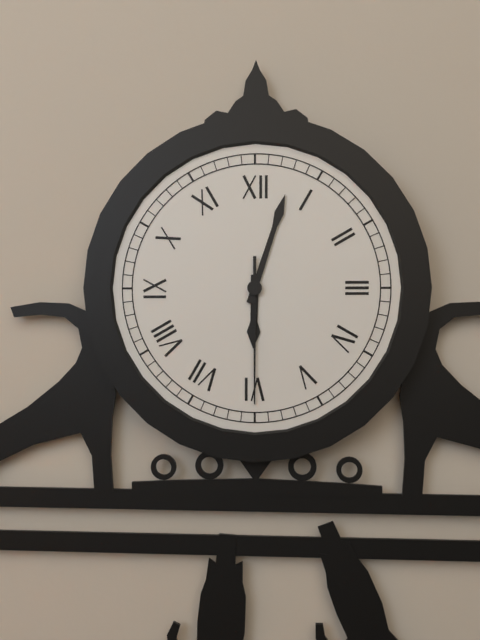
h=6 m=3 s=30
